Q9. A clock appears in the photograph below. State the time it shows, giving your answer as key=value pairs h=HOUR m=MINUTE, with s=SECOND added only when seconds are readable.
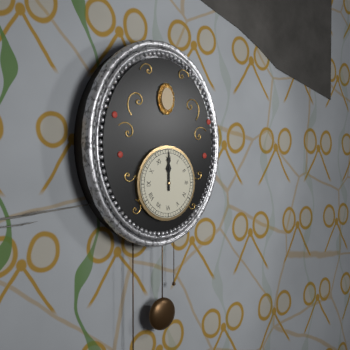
h=12 m=0
